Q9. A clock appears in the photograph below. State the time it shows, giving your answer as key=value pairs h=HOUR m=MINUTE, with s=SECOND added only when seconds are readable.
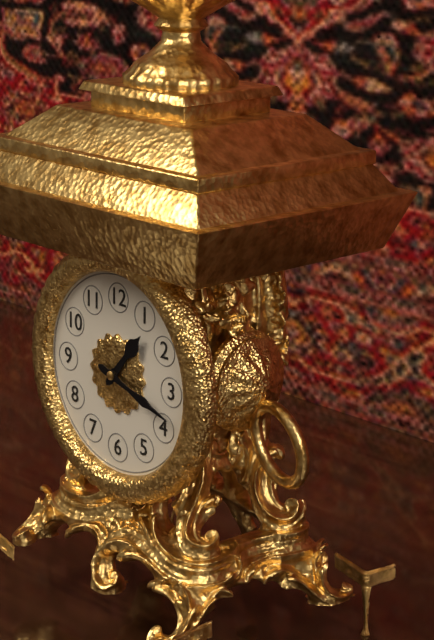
h=1 m=18
